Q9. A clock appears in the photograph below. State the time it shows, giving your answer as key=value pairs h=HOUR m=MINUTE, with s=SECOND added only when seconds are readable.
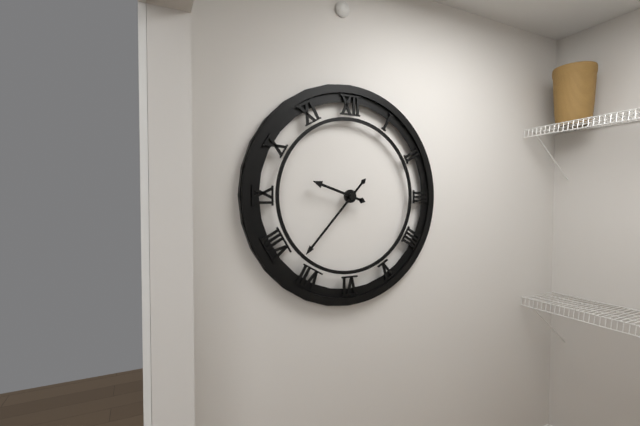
h=9 m=37
